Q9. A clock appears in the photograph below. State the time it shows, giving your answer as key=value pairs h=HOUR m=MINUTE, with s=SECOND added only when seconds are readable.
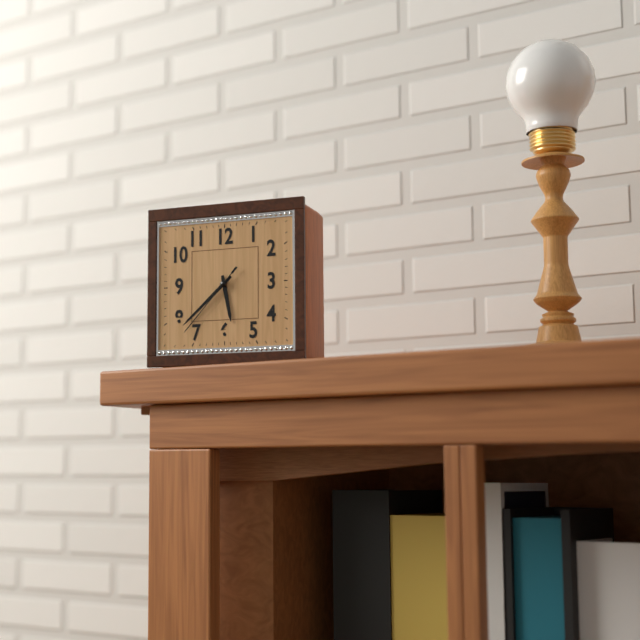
h=5 m=38 s=37
